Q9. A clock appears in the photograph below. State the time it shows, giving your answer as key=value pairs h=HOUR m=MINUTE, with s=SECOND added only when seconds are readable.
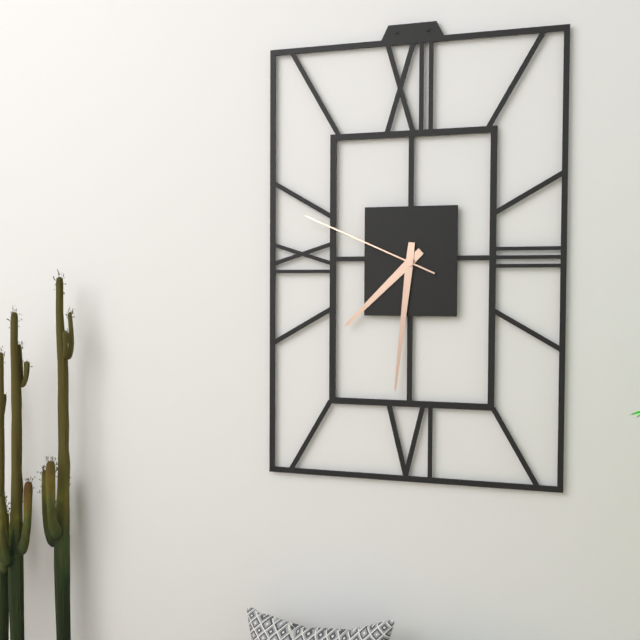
h=7 m=31 s=49
